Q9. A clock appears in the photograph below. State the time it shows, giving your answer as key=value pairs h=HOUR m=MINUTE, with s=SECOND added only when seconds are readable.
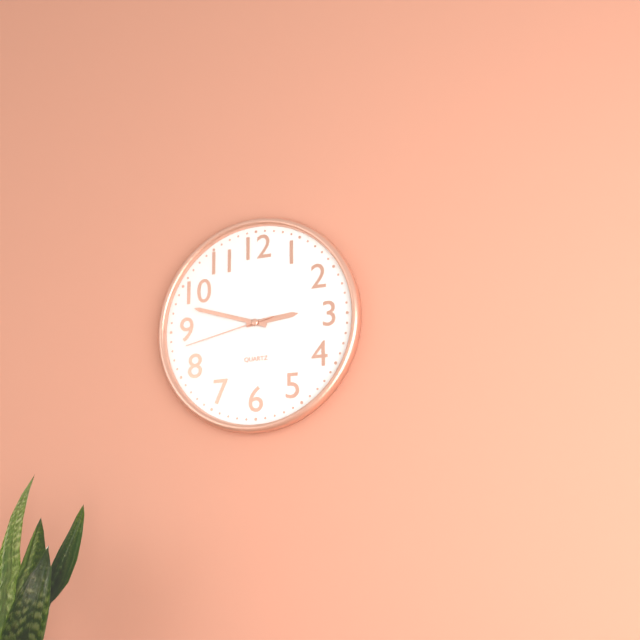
h=2 m=48 s=43
